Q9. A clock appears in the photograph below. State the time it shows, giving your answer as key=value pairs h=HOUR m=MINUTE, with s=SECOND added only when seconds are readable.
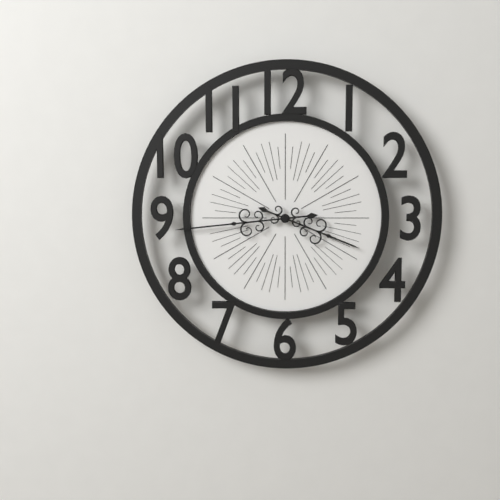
h=3 m=44
